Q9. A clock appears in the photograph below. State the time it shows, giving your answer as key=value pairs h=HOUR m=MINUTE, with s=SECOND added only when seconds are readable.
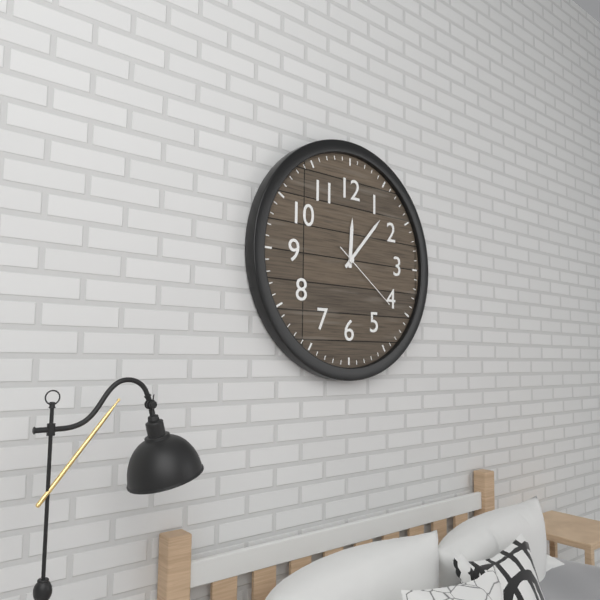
h=12 m=7 s=21
